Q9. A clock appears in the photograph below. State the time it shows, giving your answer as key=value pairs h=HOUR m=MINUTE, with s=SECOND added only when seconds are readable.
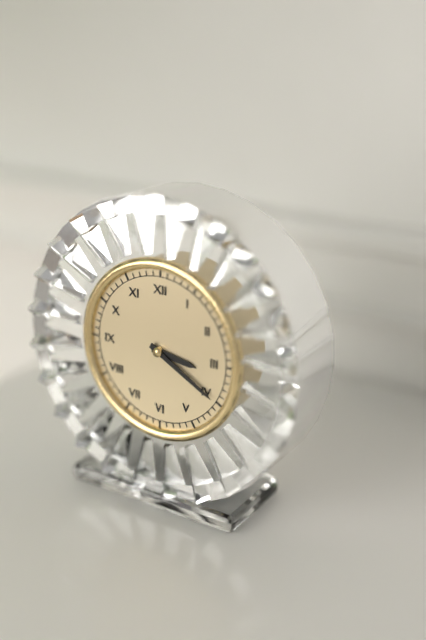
h=3 m=20
